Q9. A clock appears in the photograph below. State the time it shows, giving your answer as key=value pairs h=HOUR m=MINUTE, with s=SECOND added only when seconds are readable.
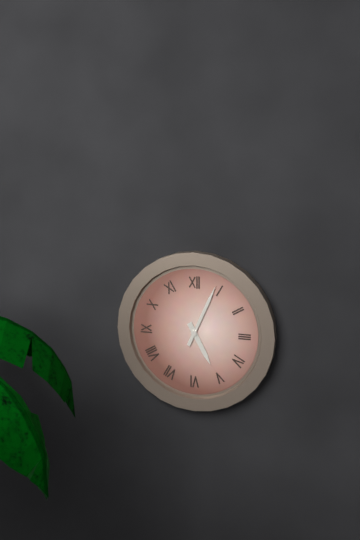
h=5 m=4
